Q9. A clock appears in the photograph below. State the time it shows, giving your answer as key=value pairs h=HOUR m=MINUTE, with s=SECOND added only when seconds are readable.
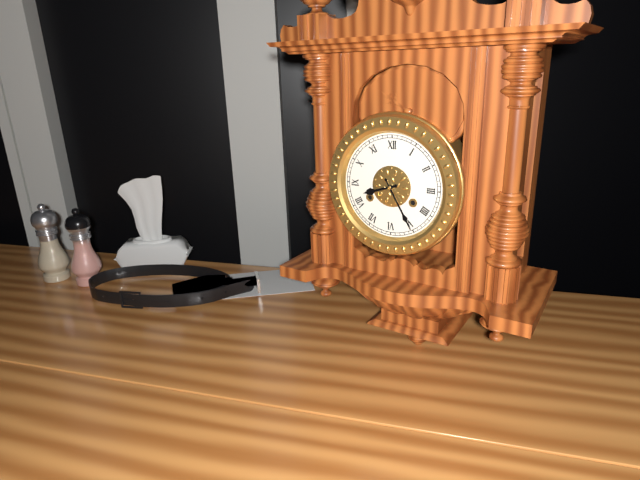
h=8 m=25
